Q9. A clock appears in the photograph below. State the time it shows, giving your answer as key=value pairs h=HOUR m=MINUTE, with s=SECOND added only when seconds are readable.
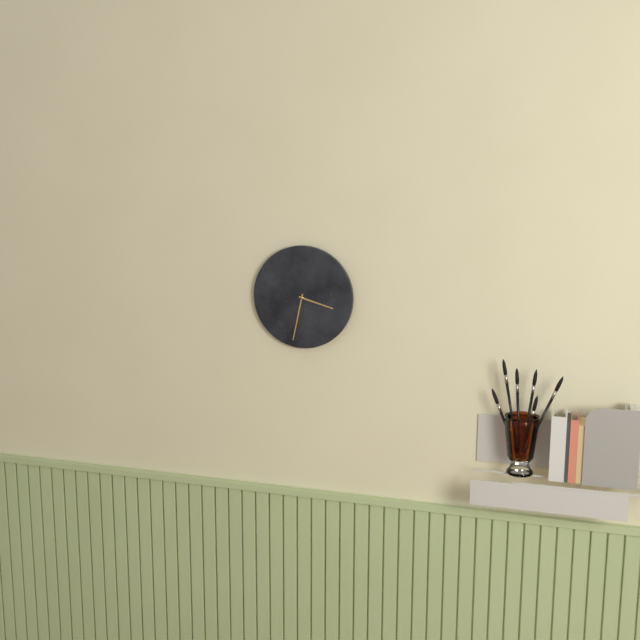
h=3 m=32
